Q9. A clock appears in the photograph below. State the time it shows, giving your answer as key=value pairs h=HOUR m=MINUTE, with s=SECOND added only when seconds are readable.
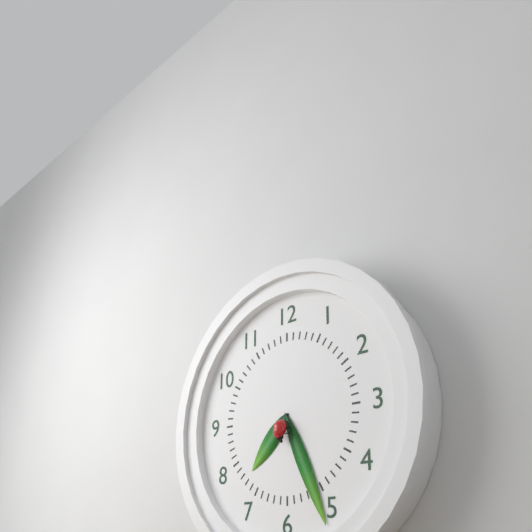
h=7 m=26
